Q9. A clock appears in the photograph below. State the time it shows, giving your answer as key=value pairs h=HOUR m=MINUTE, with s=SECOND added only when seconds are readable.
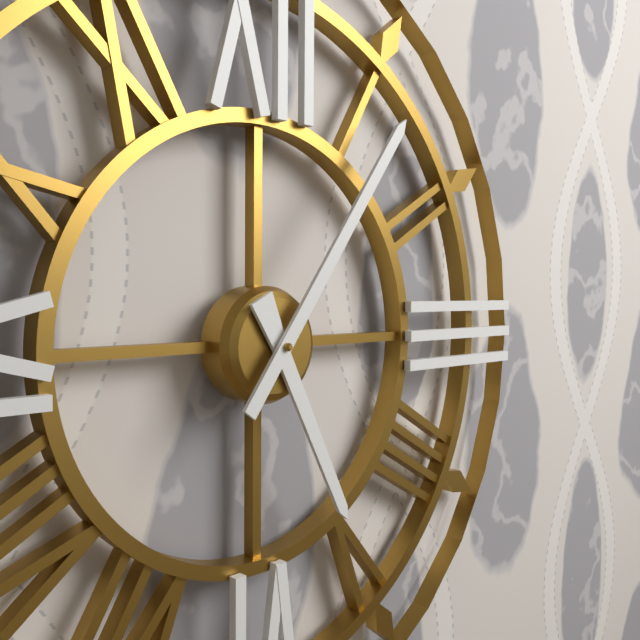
h=5 m=6
